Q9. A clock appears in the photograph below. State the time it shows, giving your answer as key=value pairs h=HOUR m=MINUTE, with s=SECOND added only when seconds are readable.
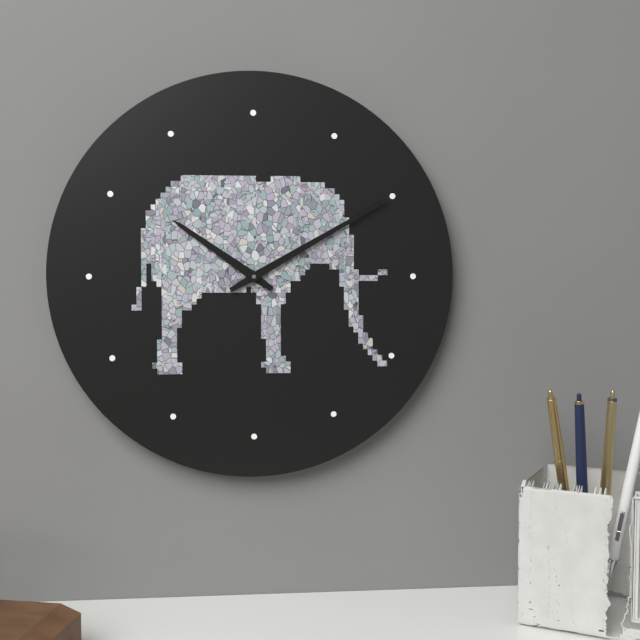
h=10 m=10
